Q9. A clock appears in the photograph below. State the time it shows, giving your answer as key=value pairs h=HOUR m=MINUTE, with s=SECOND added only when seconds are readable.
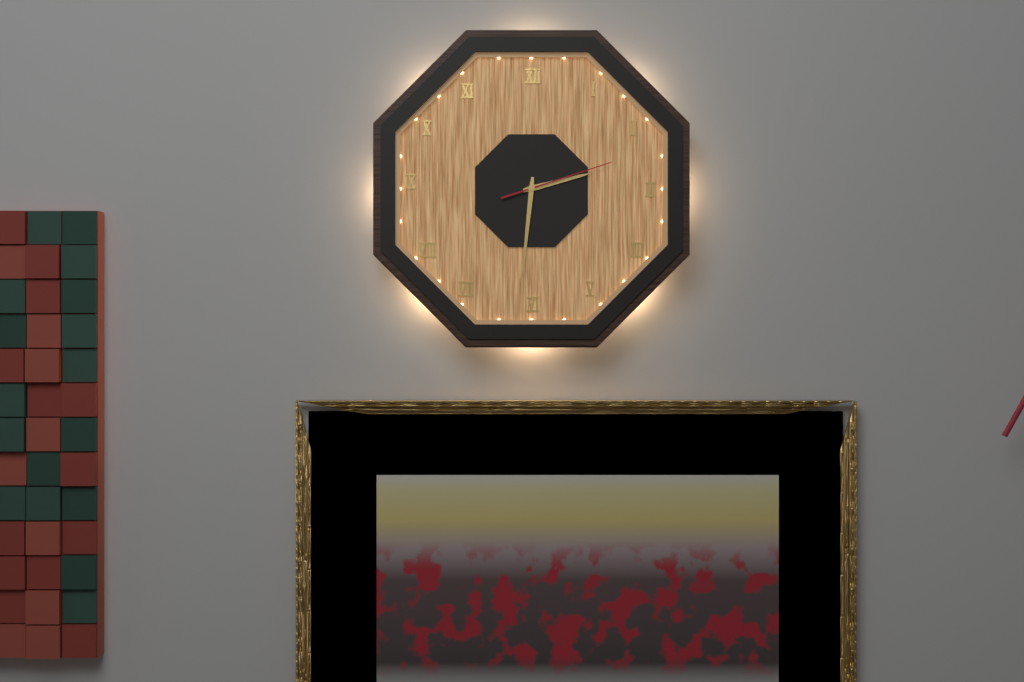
h=2 m=31 s=12
